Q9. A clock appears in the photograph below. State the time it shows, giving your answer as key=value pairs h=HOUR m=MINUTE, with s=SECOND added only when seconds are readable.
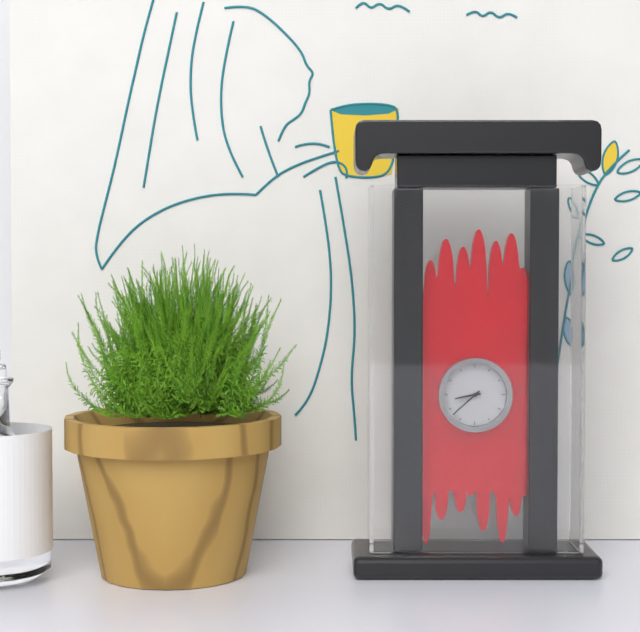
h=8 m=38
